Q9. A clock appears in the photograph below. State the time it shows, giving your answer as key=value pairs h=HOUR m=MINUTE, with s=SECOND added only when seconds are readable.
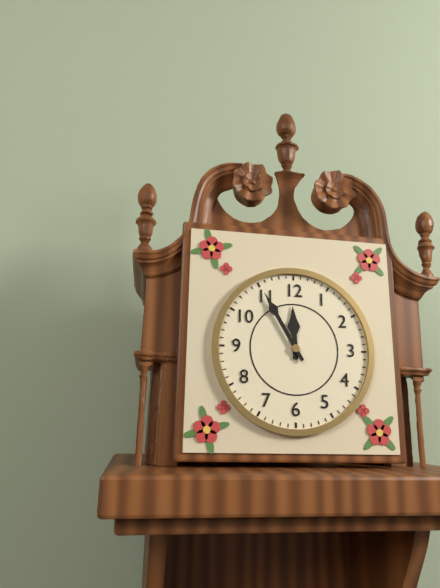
h=11 m=55
